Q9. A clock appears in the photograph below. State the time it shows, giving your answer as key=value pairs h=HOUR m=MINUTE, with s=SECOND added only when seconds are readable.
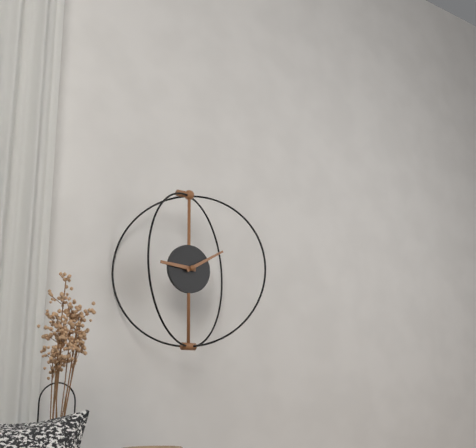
h=9 m=10
